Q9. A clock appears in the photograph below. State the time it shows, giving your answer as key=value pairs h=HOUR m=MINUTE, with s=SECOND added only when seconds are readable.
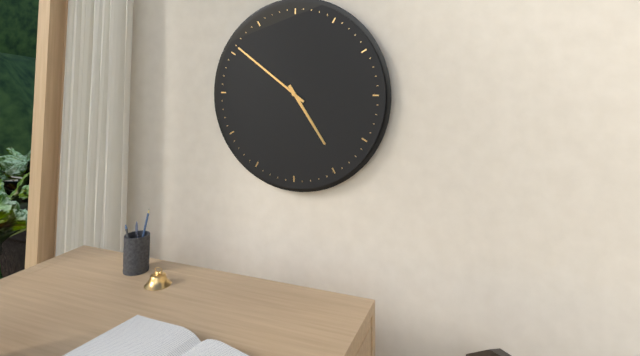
h=4 m=51
